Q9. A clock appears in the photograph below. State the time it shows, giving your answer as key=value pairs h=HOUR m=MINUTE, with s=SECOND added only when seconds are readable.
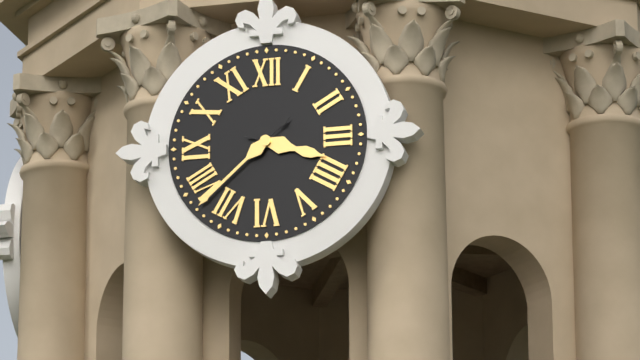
h=3 m=38
